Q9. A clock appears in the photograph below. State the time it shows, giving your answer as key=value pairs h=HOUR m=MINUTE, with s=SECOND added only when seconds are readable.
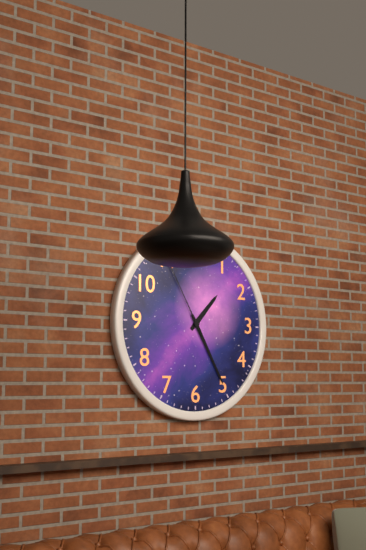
h=1 m=25 s=55
